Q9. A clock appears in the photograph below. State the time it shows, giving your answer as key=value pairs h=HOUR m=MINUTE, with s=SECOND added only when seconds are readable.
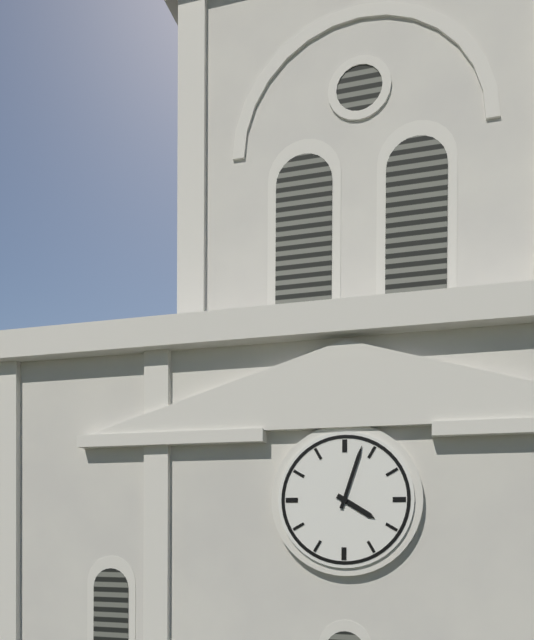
h=4 m=3
